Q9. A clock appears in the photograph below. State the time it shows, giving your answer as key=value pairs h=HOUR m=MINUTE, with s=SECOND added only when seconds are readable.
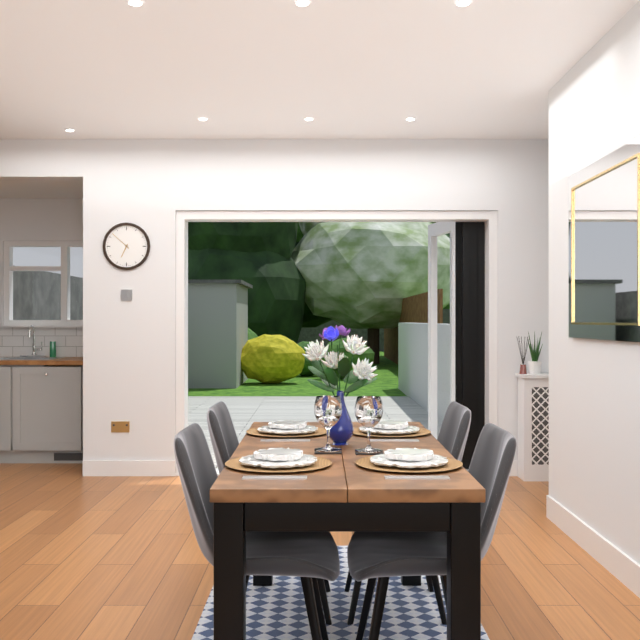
h=6 m=52
